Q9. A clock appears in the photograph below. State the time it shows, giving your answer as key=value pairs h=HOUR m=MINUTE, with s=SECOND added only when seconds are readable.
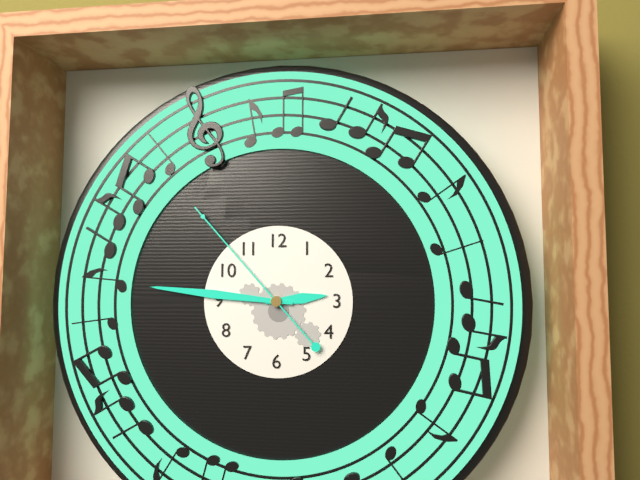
h=2 m=46 s=53
